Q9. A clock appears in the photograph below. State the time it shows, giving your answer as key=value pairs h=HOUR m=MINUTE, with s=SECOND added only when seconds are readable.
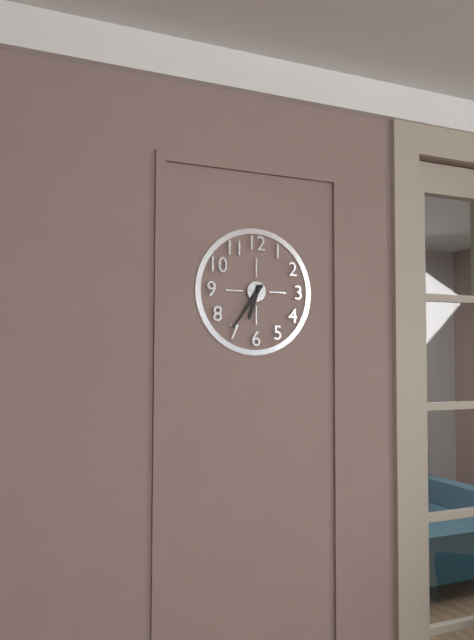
h=6 m=36
